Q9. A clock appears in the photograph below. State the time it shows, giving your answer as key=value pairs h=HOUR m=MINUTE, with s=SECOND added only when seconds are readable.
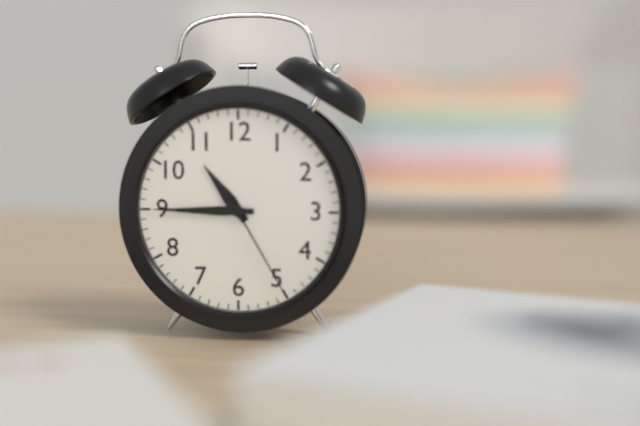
h=10 m=45 s=25
